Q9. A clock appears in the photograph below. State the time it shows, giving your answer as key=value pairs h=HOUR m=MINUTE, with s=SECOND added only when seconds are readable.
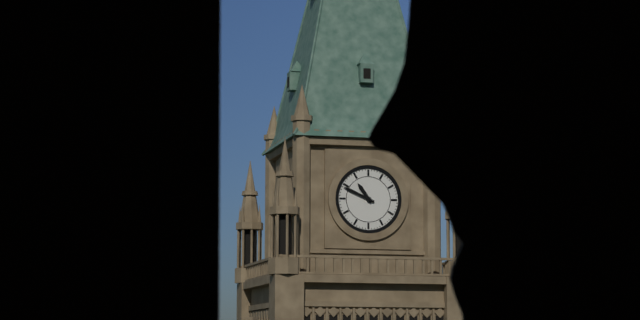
h=10 m=49
